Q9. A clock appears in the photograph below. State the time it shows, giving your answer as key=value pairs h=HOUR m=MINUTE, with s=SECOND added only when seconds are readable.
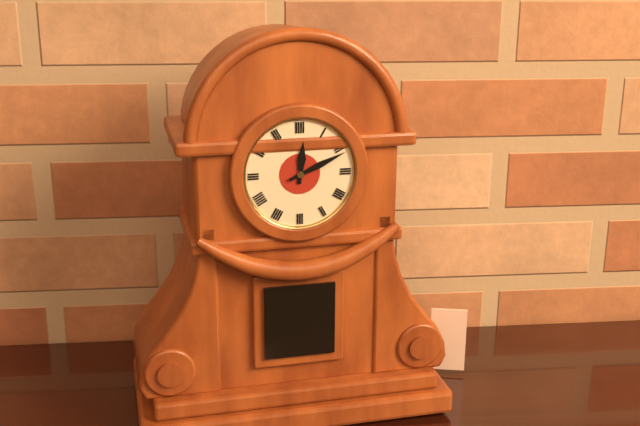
h=12 m=11
